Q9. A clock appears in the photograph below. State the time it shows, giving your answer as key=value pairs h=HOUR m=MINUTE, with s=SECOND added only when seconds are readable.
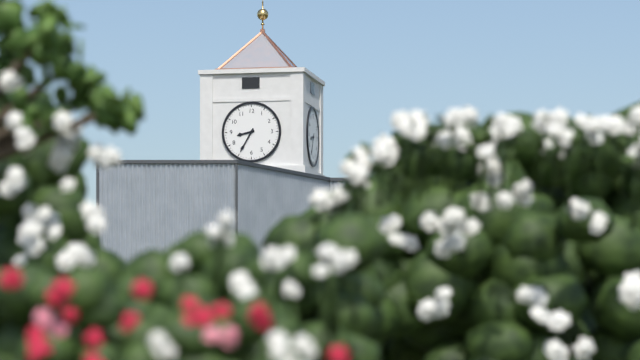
h=8 m=35
